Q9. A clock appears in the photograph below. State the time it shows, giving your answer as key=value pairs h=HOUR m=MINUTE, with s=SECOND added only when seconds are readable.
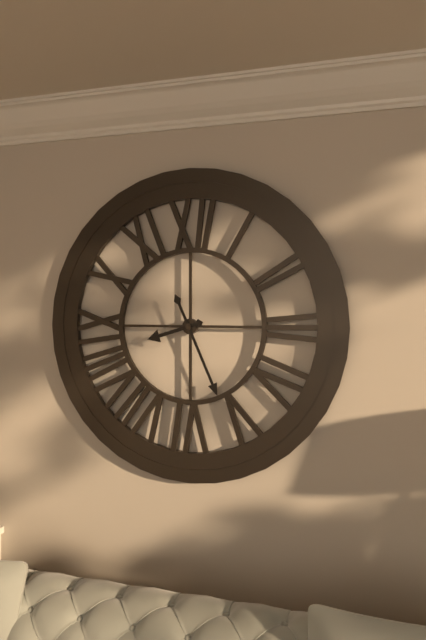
h=8 m=26
